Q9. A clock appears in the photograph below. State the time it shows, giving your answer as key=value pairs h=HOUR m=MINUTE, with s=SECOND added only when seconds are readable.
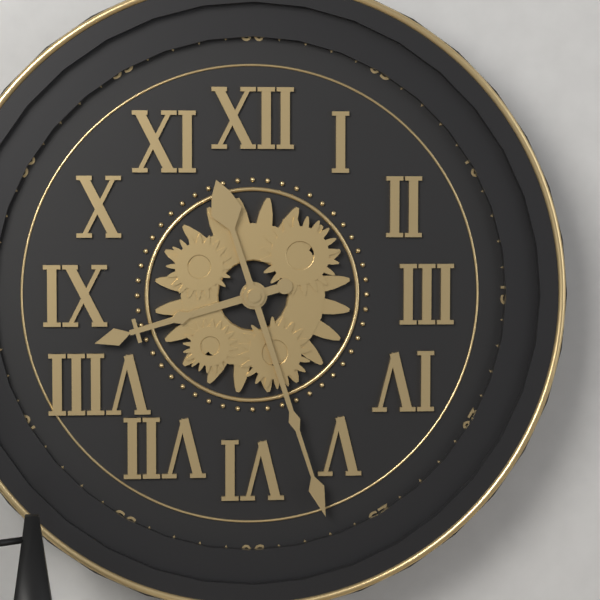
h=8 m=27
